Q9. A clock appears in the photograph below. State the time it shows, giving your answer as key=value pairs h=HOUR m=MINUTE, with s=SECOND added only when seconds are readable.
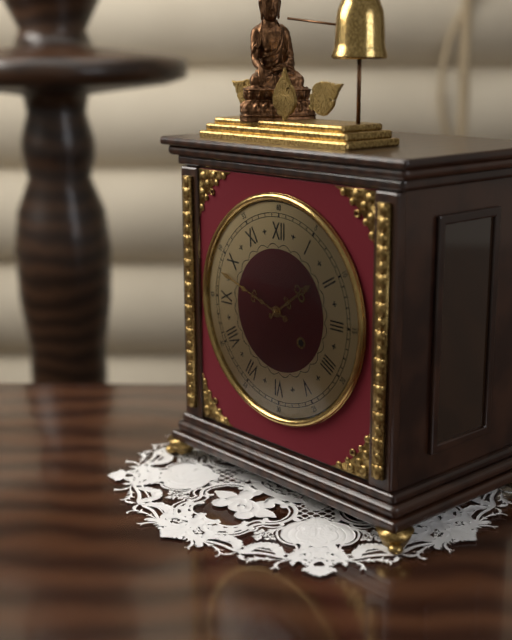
h=1 m=48
